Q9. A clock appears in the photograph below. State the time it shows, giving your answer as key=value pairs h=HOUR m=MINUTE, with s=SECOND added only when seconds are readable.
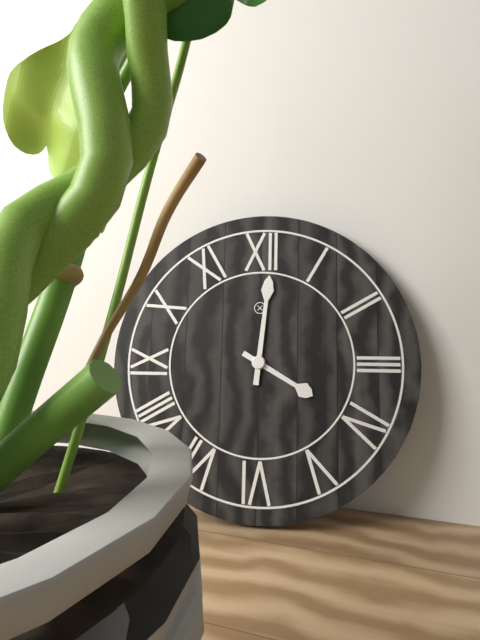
h=4 m=1
